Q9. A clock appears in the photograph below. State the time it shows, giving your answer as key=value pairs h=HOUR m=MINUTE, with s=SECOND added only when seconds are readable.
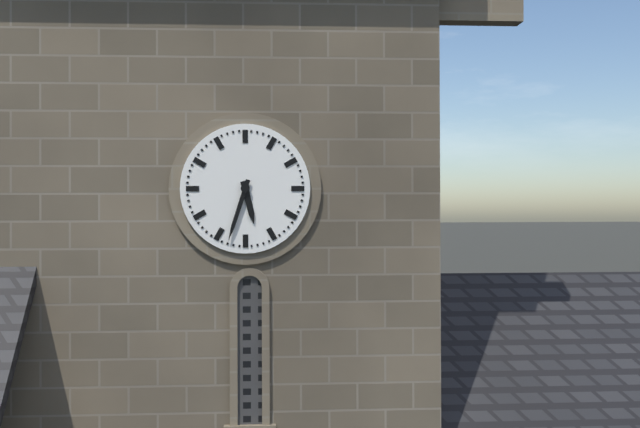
h=5 m=33
